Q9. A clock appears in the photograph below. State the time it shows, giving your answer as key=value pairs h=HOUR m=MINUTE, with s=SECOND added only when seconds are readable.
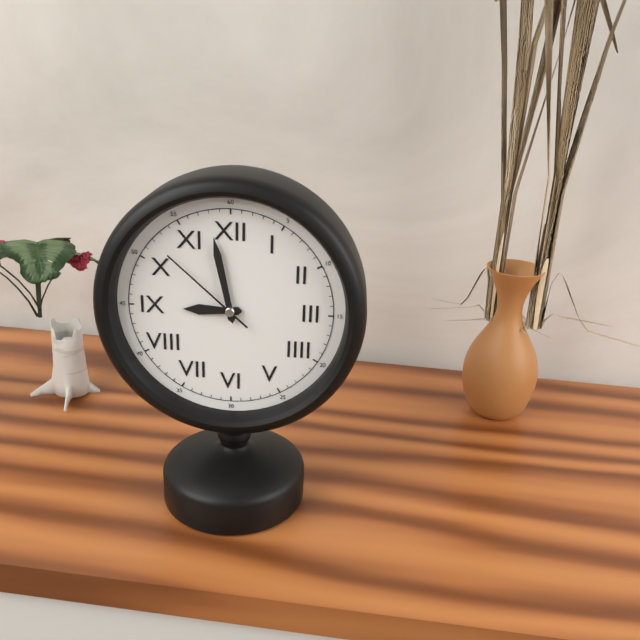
h=8 m=58 s=52
